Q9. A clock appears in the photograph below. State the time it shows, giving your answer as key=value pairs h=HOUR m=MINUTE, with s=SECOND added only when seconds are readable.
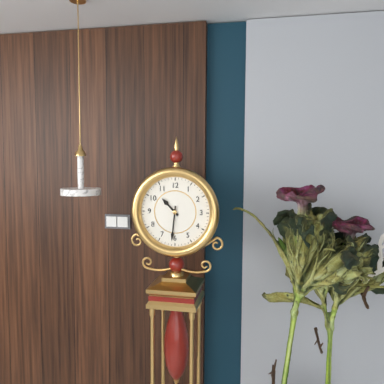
h=10 m=31
